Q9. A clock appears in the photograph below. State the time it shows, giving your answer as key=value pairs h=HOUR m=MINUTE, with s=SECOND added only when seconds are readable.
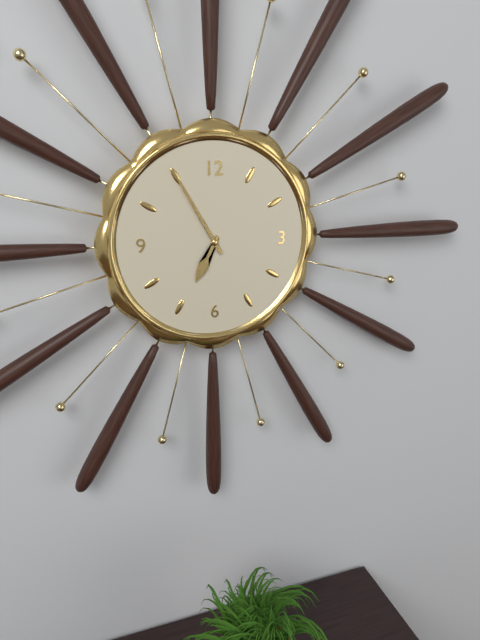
h=6 m=55
